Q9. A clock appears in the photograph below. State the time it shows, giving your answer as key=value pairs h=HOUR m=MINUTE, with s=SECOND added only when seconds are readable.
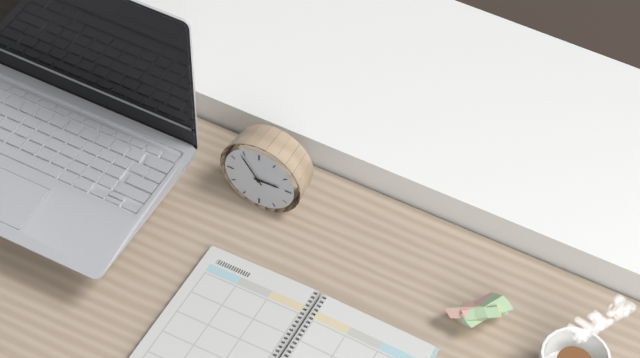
h=2 m=54
